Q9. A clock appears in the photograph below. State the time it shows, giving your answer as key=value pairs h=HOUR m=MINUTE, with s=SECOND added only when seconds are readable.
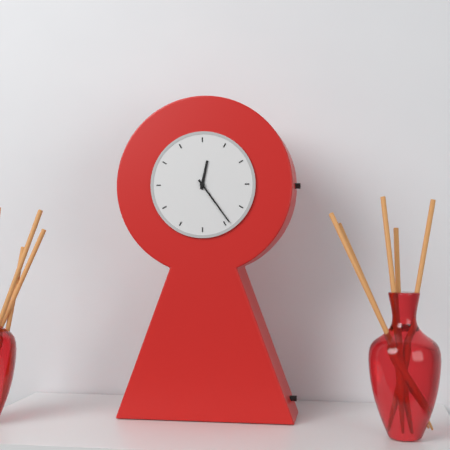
h=12 m=24
